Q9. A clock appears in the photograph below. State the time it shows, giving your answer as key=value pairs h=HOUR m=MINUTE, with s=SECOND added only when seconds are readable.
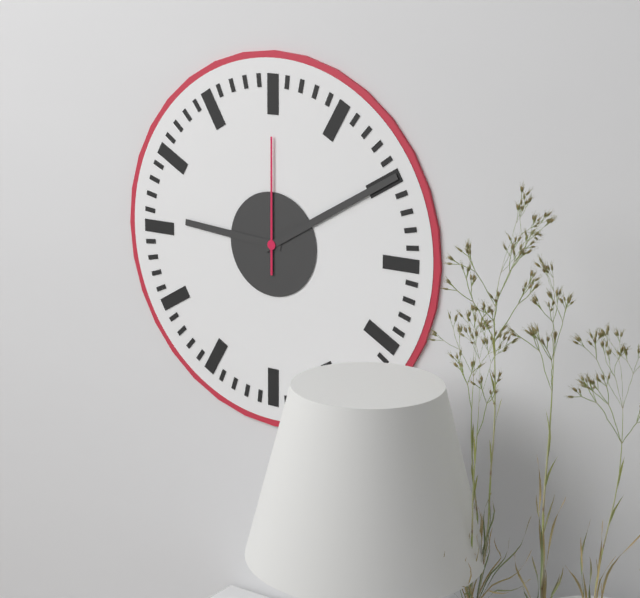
h=9 m=10 s=0
